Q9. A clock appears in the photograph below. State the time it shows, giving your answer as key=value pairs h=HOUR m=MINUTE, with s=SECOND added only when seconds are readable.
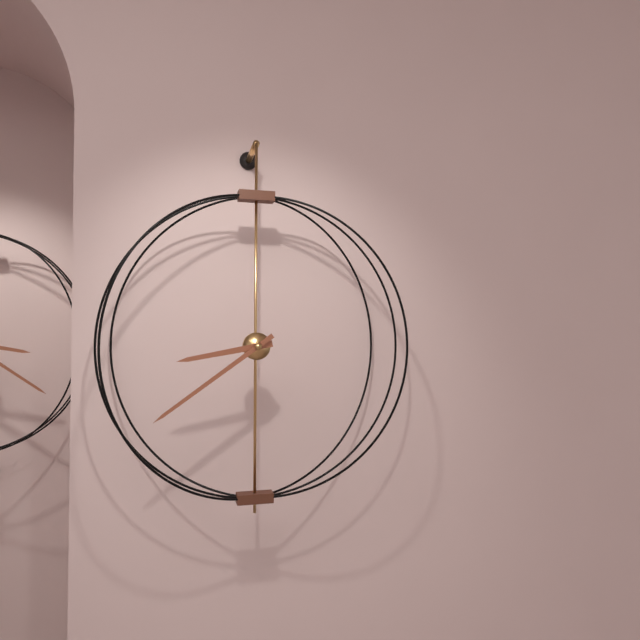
h=8 m=39
